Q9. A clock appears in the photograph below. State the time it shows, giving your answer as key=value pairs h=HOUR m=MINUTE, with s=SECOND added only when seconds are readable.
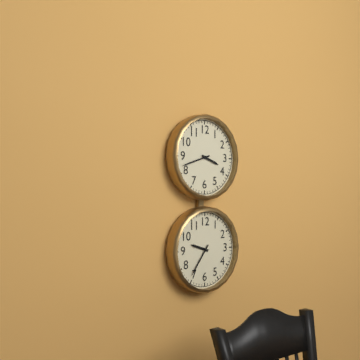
h=3 m=42
